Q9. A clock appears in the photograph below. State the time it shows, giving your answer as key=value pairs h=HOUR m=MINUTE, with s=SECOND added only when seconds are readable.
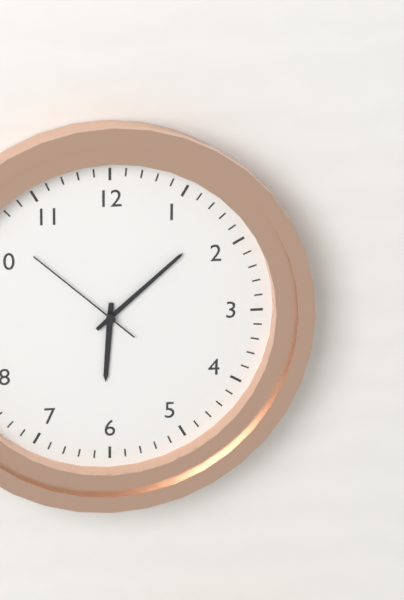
h=6 m=8 s=52
